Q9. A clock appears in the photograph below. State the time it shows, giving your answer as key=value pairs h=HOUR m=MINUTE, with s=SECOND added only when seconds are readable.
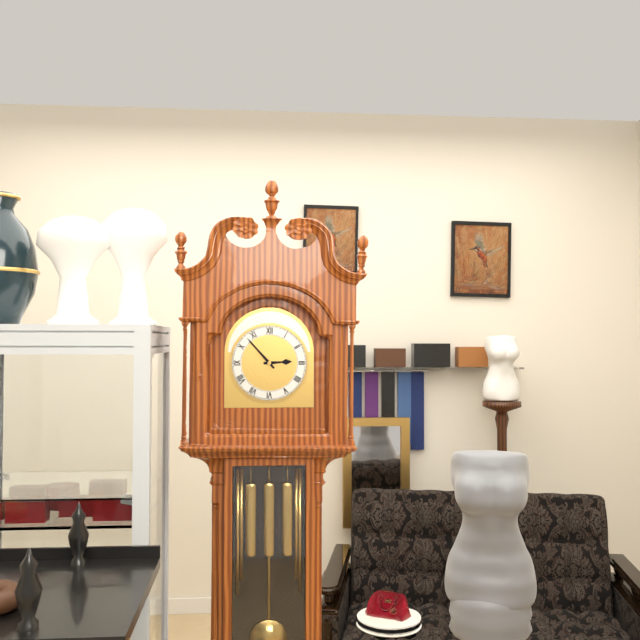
h=2 m=53
